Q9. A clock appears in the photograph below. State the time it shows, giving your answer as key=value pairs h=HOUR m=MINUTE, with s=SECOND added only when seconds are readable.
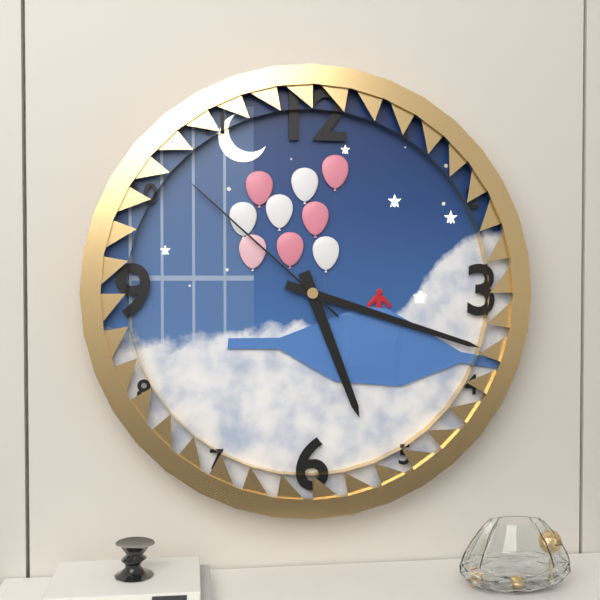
h=5 m=18 s=52
